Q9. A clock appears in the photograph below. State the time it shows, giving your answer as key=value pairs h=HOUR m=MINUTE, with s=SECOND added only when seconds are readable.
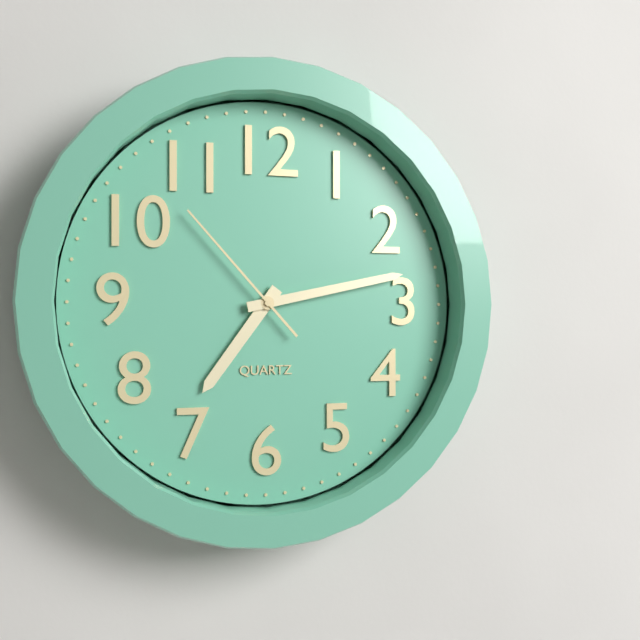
h=7 m=13 s=53
